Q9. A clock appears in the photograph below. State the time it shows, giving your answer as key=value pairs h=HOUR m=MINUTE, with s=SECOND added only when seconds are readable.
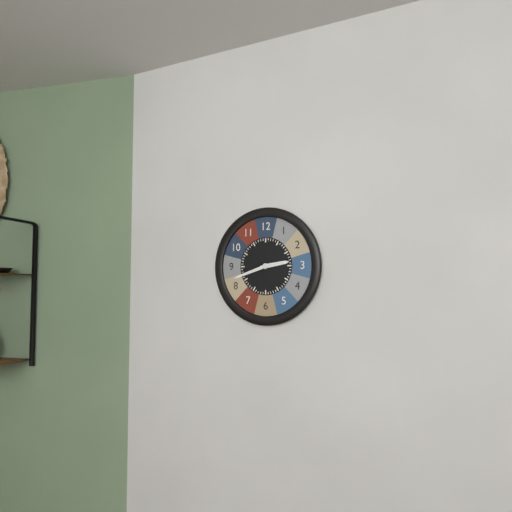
h=2 m=42
